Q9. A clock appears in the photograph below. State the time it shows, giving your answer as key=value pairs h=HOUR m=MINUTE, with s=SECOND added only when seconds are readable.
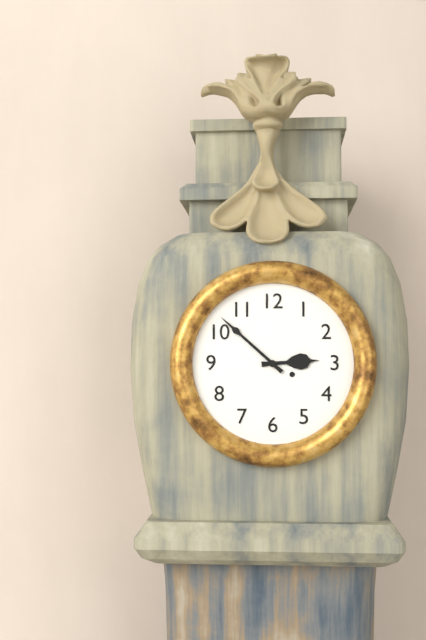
h=2 m=52
